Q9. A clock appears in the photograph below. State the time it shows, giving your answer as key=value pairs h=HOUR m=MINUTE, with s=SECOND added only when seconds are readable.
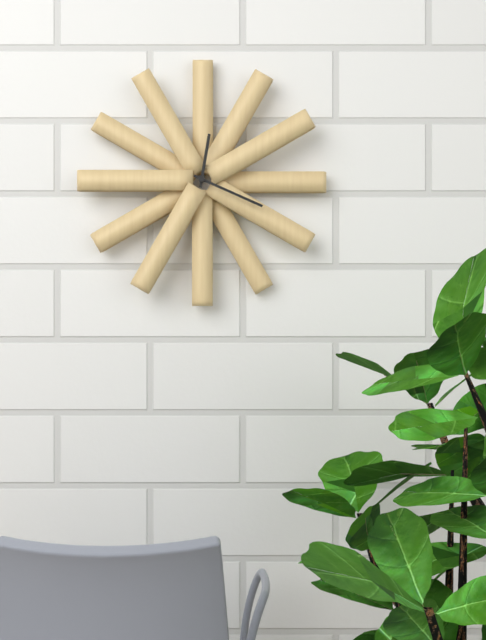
h=12 m=19
